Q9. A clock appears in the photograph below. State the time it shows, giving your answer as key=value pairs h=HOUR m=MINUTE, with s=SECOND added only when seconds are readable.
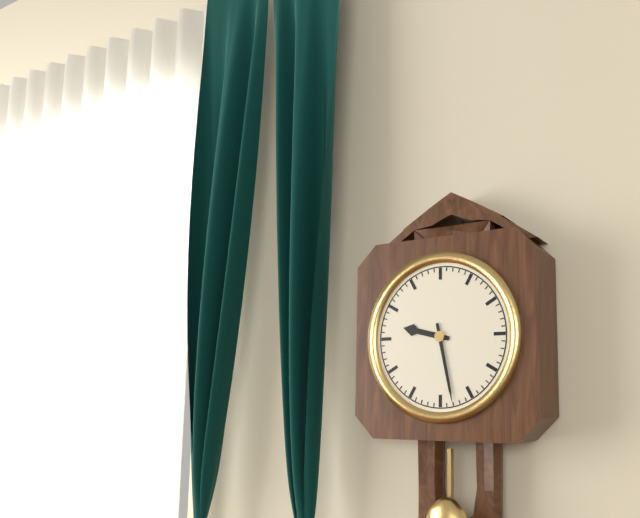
h=9 m=28
